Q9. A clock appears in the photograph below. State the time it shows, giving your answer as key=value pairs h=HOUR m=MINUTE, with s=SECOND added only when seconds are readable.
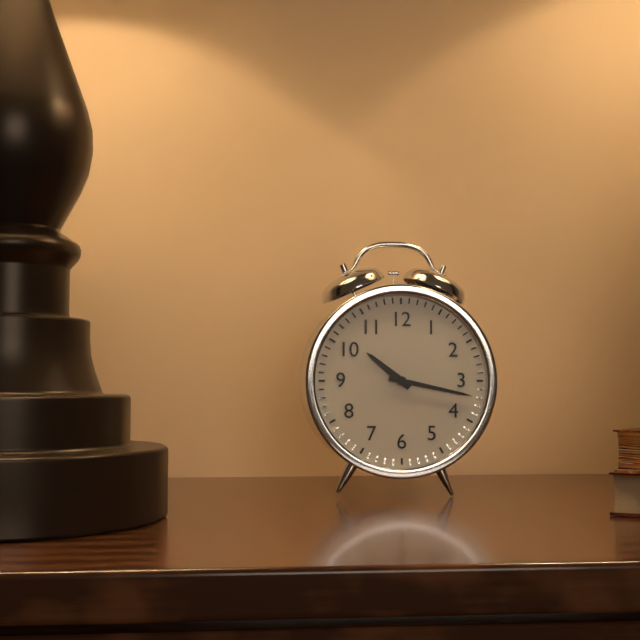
h=10 m=17
